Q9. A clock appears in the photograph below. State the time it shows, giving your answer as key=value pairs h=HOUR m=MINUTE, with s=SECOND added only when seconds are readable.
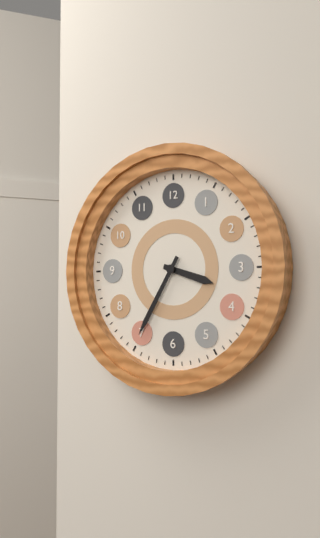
h=3 m=35
